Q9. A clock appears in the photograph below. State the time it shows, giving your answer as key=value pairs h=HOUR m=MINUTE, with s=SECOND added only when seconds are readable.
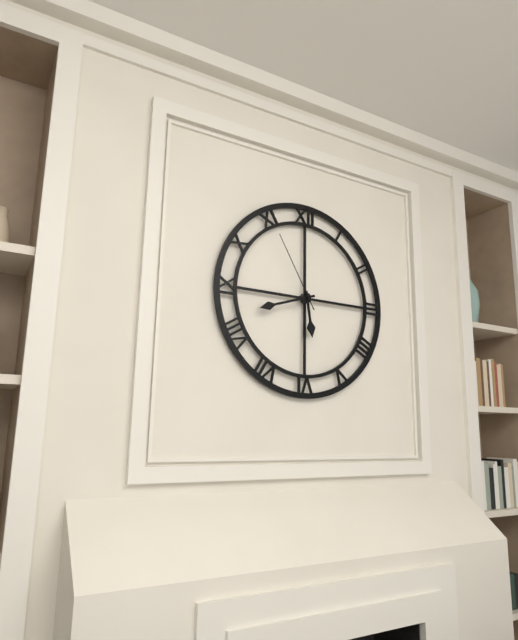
h=5 m=42 s=55
